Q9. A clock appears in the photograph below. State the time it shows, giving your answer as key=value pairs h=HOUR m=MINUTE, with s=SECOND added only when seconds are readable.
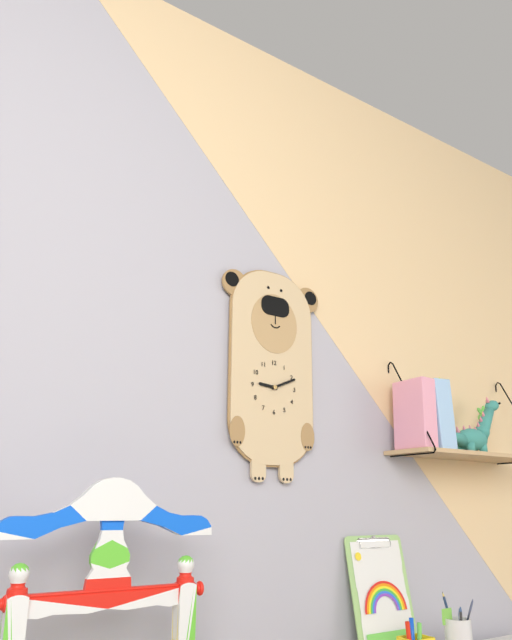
h=9 m=11
